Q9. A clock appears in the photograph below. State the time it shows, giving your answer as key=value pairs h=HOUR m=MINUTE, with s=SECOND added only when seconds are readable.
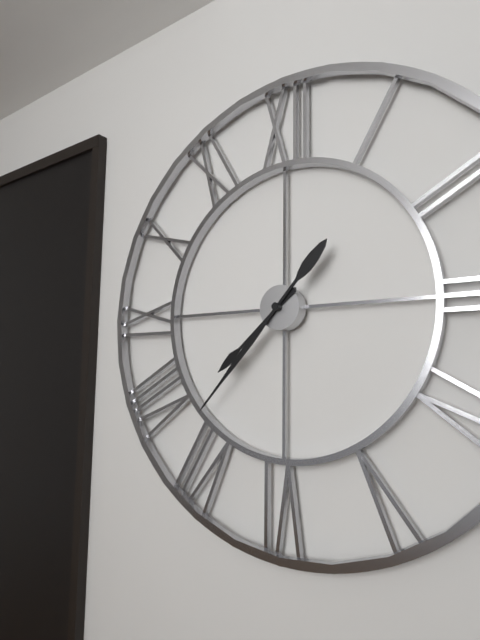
h=7 m=37
